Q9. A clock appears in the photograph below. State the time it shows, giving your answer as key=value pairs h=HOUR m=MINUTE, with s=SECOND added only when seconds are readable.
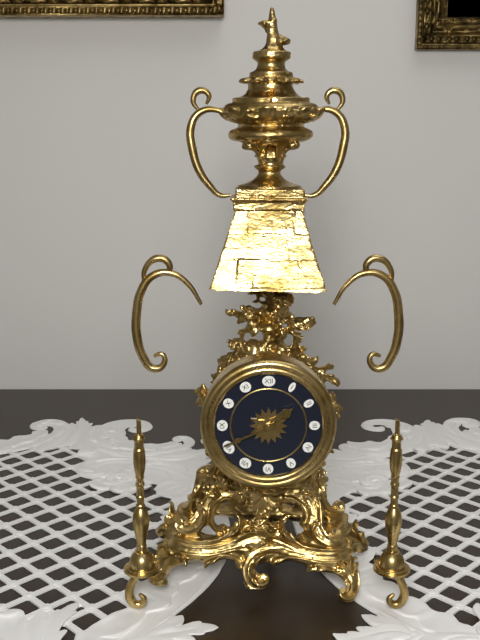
h=1 m=41
